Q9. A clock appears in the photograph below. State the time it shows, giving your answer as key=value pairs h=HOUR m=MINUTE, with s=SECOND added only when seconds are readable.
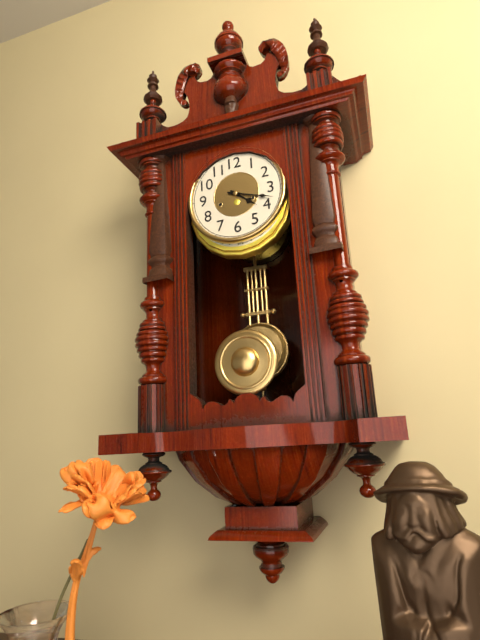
h=4 m=18
